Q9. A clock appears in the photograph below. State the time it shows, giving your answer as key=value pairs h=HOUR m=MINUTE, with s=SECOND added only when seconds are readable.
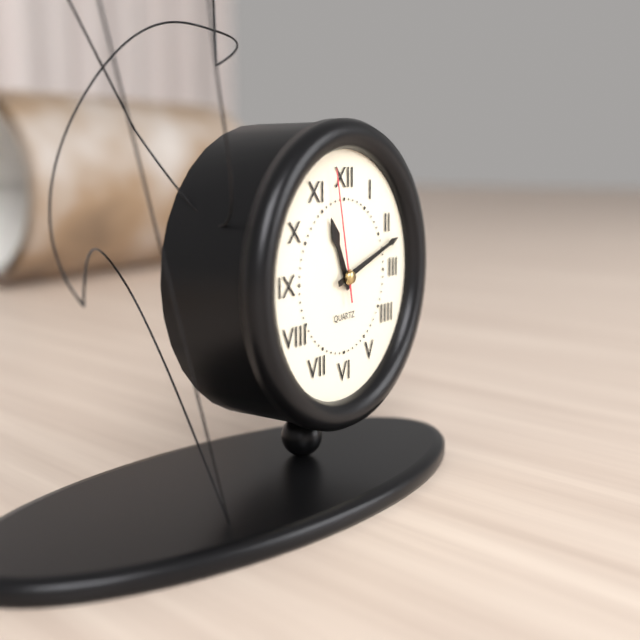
h=11 m=12 s=58
